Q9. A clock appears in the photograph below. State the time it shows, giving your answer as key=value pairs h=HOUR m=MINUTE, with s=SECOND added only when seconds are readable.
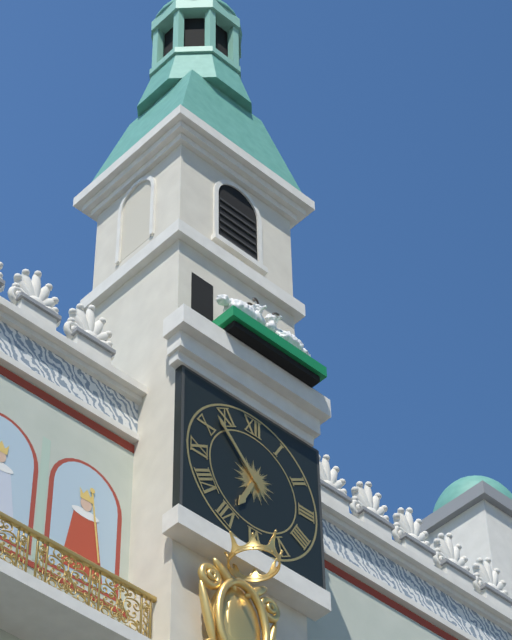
h=6 m=53
